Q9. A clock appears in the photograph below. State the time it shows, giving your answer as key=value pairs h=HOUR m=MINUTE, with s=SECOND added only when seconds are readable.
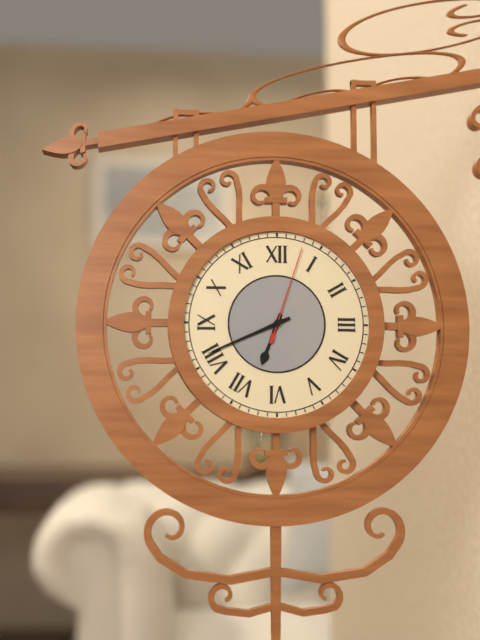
h=6 m=41 s=3
